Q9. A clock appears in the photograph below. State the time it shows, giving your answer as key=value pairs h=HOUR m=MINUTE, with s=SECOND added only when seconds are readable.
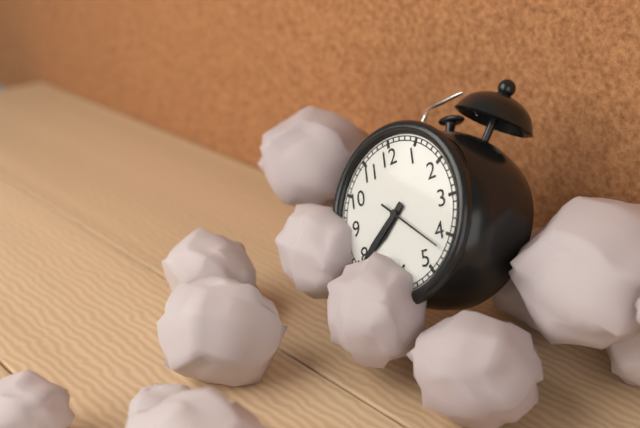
h=7 m=39 s=22
